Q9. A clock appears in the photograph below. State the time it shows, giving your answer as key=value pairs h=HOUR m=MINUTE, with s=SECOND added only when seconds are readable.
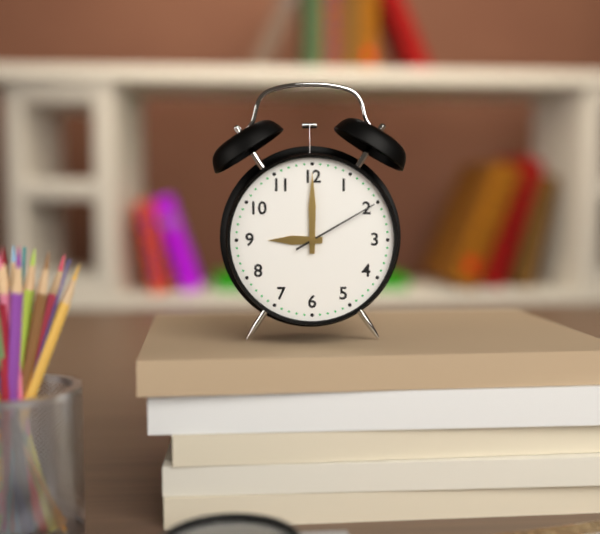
h=9 m=0 s=10
